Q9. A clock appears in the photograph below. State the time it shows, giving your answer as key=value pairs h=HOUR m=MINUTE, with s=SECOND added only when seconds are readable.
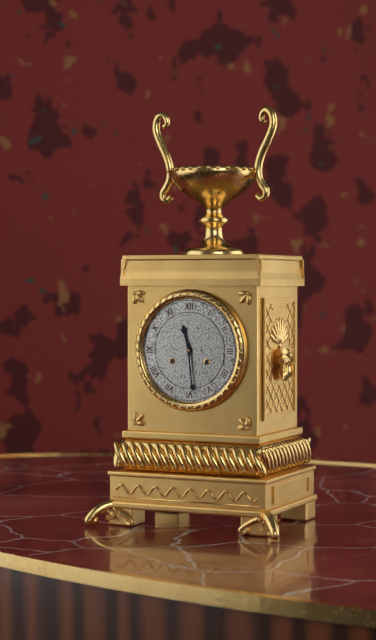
h=11 m=29
